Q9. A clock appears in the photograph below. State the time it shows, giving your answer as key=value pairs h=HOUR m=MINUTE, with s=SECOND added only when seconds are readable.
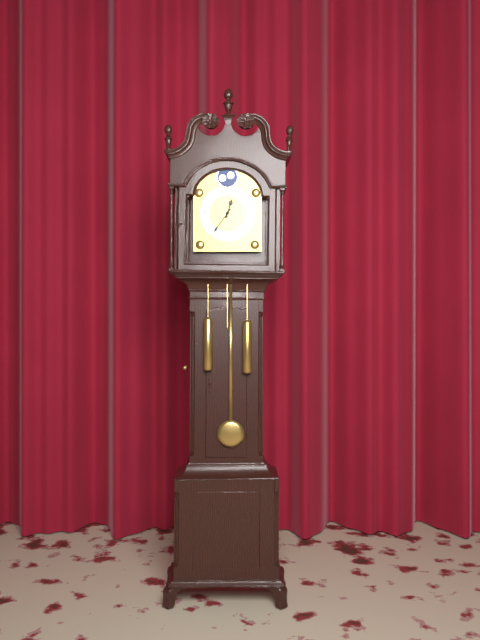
h=12 m=36
